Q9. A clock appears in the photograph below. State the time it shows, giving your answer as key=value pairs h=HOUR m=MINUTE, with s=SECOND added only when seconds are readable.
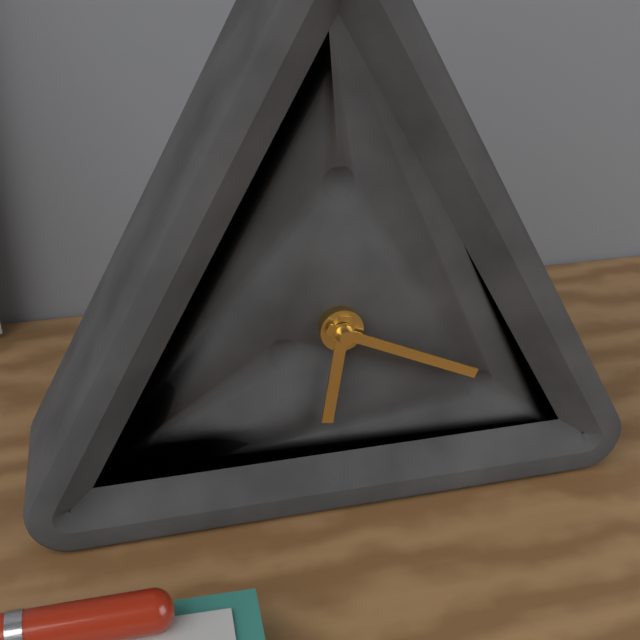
h=6 m=19
